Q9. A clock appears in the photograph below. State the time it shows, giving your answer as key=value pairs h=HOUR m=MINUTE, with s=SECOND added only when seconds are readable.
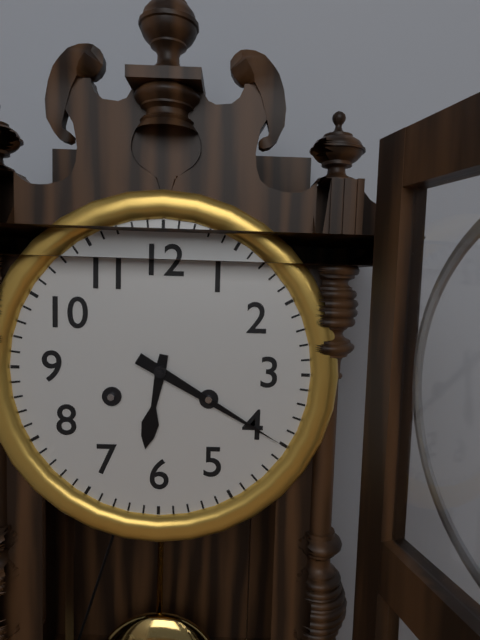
h=6 m=20
